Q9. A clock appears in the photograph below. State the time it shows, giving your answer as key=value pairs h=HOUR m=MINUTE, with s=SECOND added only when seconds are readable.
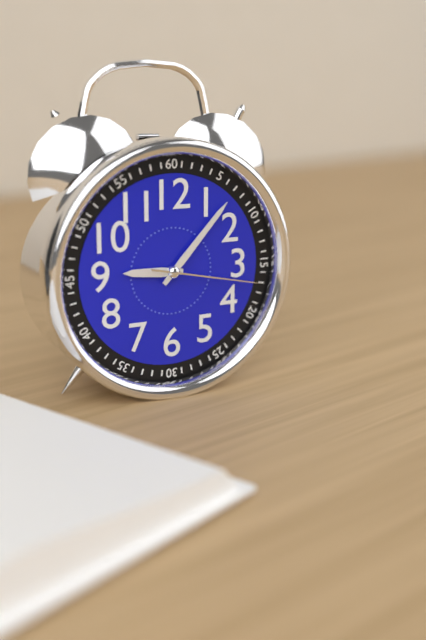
h=9 m=7 s=17
